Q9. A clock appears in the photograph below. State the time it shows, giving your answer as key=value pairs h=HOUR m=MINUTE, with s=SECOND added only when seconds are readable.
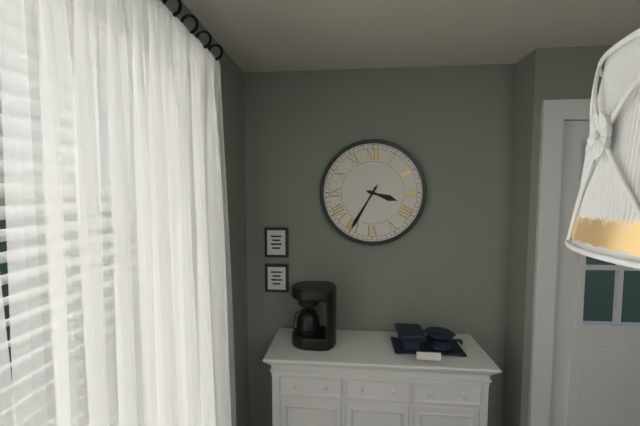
h=3 m=35
